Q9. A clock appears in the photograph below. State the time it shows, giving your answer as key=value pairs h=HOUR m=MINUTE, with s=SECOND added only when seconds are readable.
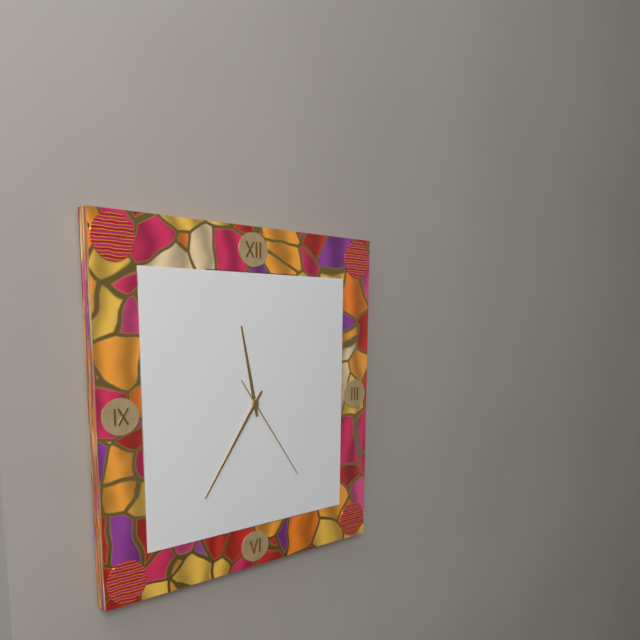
h=11 m=36 s=24
